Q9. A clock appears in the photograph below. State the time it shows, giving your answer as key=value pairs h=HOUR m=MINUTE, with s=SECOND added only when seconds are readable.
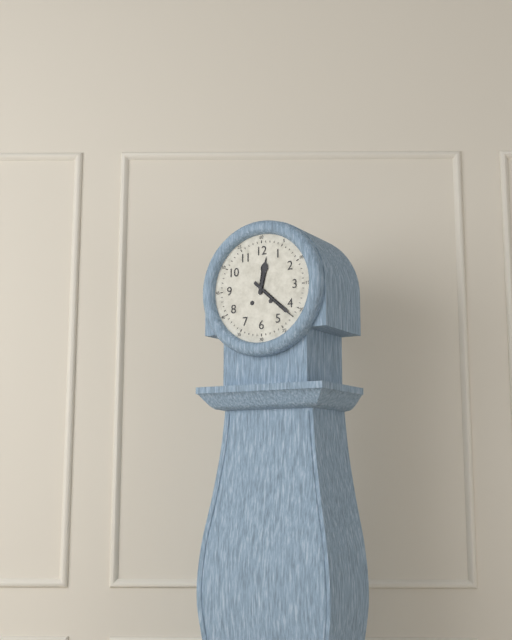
h=12 m=22
